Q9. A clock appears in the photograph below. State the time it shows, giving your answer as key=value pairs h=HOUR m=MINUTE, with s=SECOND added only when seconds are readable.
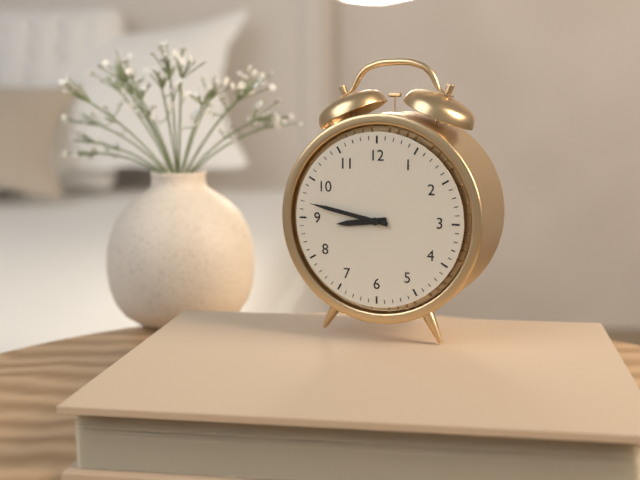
h=8 m=47
